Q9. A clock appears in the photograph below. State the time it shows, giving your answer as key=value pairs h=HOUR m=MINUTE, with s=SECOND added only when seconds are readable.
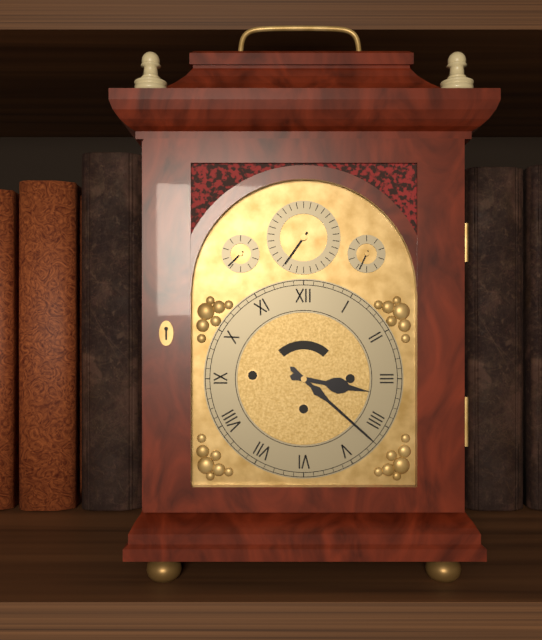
h=3 m=22
